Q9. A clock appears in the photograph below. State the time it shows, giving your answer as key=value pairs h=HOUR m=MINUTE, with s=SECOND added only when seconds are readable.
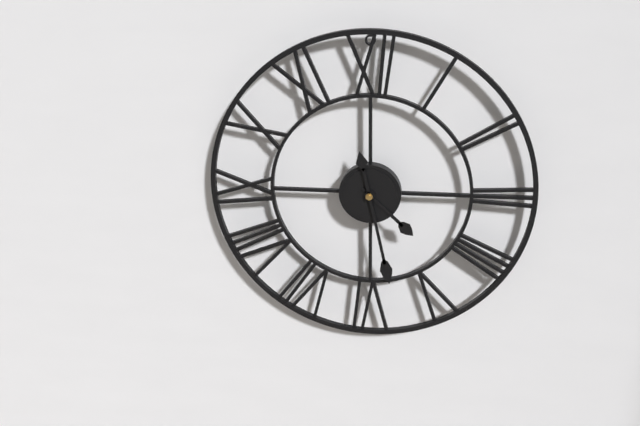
h=4 m=28
